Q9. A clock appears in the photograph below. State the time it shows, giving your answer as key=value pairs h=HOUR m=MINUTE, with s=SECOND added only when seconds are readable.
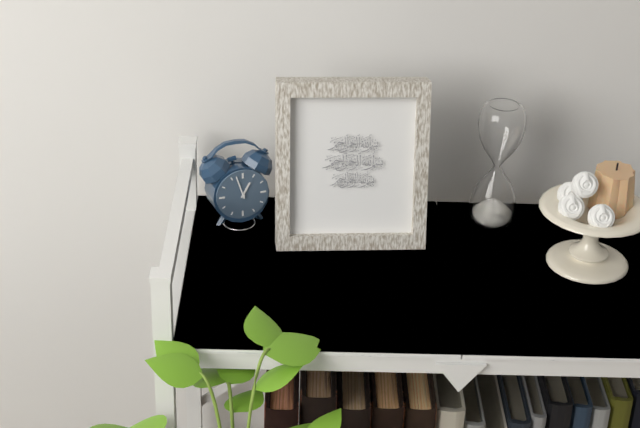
h=12 m=57
